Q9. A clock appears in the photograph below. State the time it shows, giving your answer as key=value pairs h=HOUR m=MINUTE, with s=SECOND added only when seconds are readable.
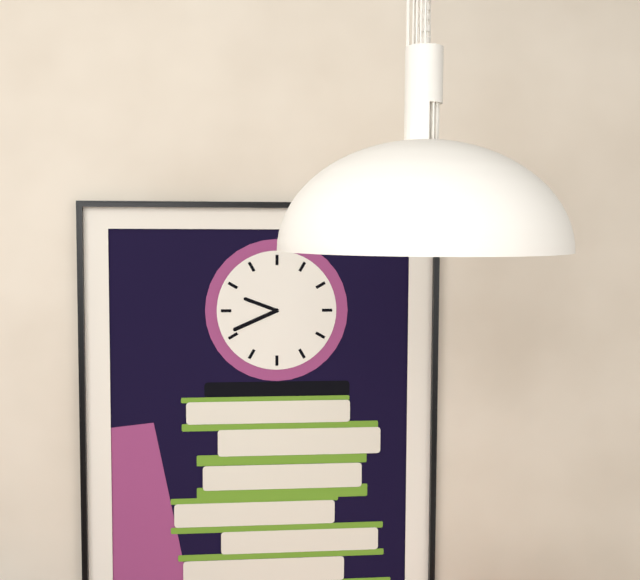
h=9 m=41
